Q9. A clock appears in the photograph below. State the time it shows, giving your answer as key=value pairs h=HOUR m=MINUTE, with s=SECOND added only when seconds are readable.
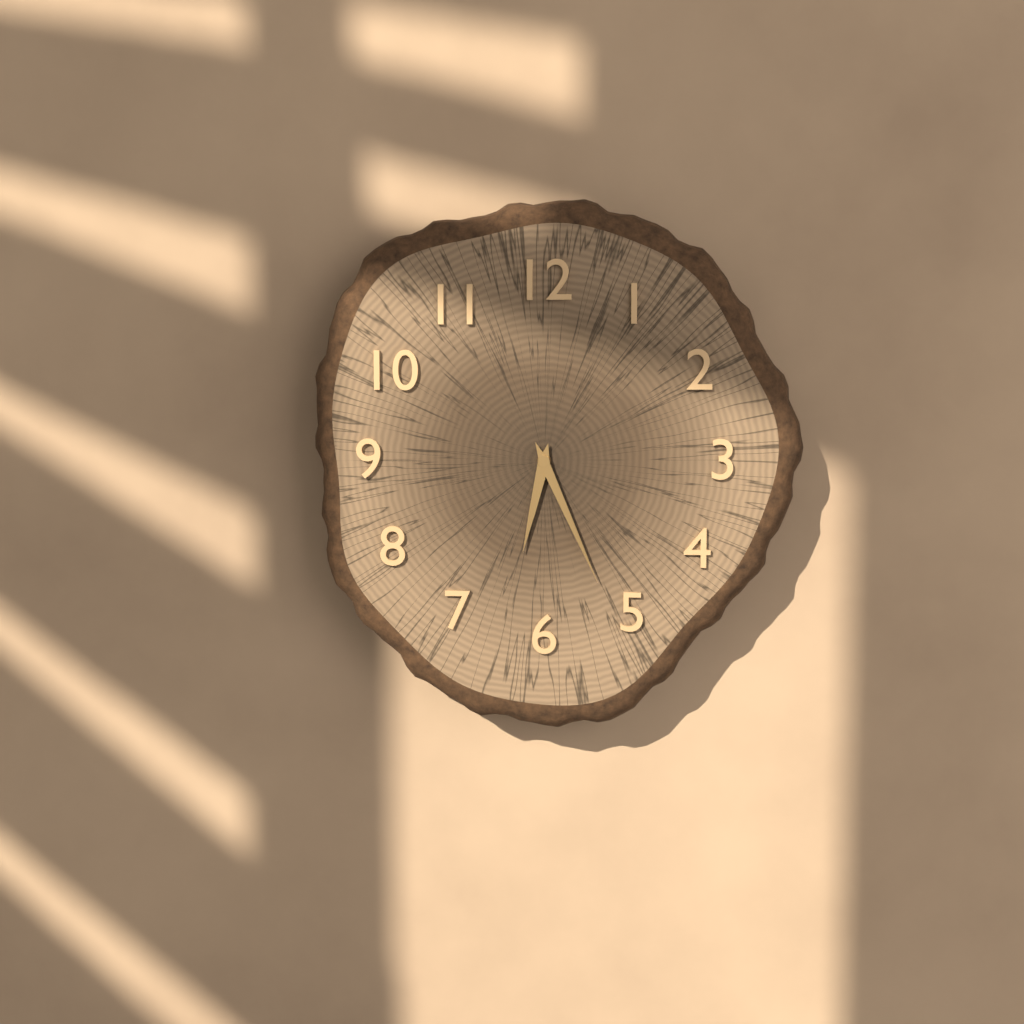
h=6 m=26
